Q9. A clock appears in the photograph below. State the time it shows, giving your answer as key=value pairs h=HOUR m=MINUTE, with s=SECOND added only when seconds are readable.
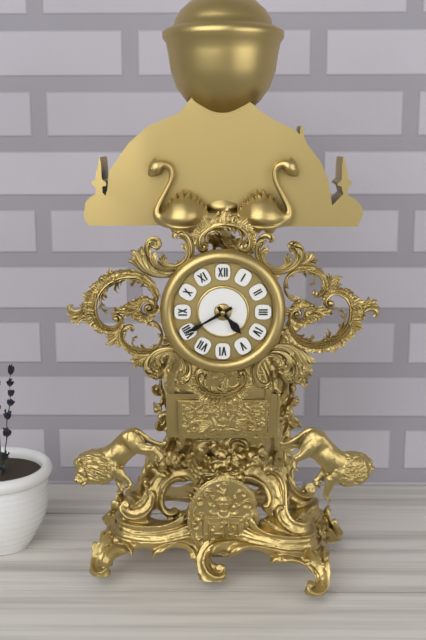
h=4 m=40
